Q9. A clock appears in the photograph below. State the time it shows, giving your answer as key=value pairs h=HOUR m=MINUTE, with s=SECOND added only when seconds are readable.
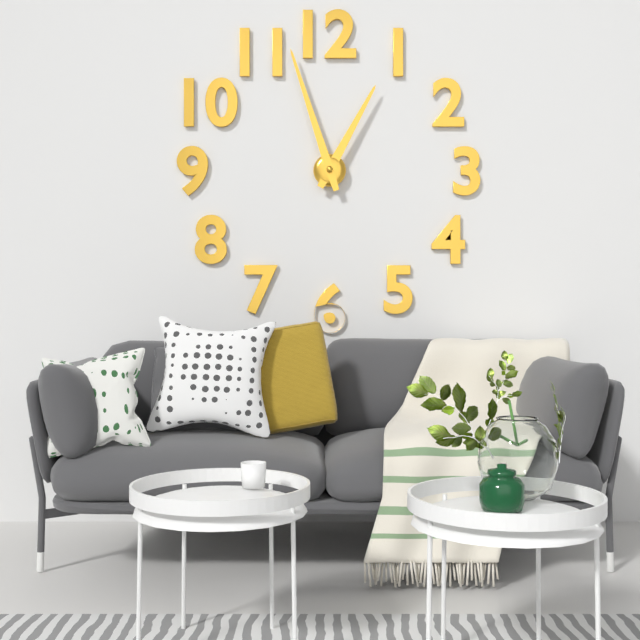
h=12 m=57
